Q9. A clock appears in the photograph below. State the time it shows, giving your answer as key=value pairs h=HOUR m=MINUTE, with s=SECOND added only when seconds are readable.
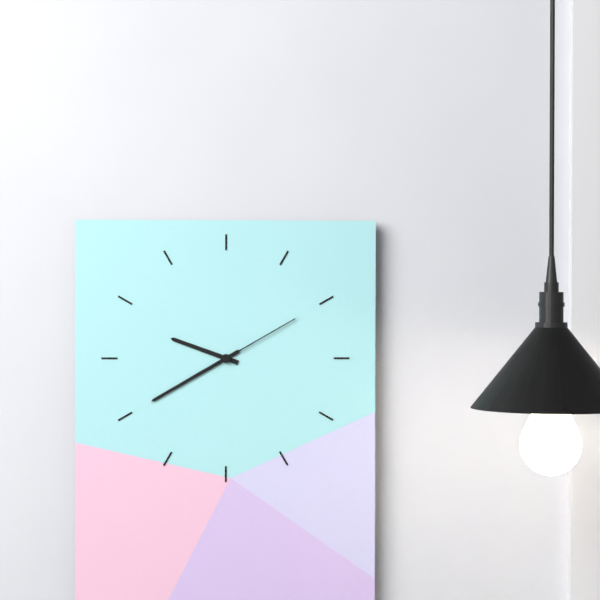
h=9 m=40 s=10
